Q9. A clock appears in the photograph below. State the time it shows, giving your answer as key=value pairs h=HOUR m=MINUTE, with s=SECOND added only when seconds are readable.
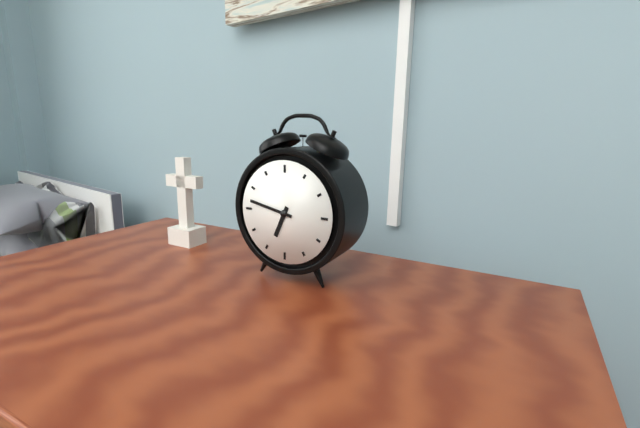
h=6 m=47
